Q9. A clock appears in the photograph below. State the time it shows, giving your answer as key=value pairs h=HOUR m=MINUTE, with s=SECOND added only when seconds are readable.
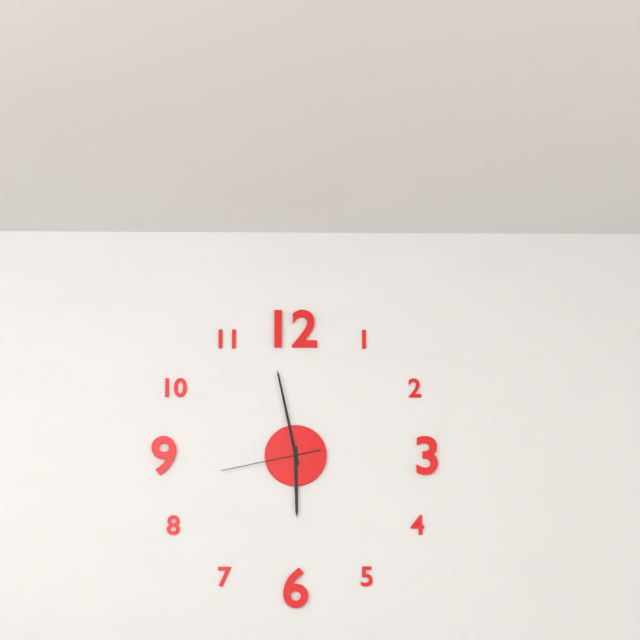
h=5 m=58 s=43
